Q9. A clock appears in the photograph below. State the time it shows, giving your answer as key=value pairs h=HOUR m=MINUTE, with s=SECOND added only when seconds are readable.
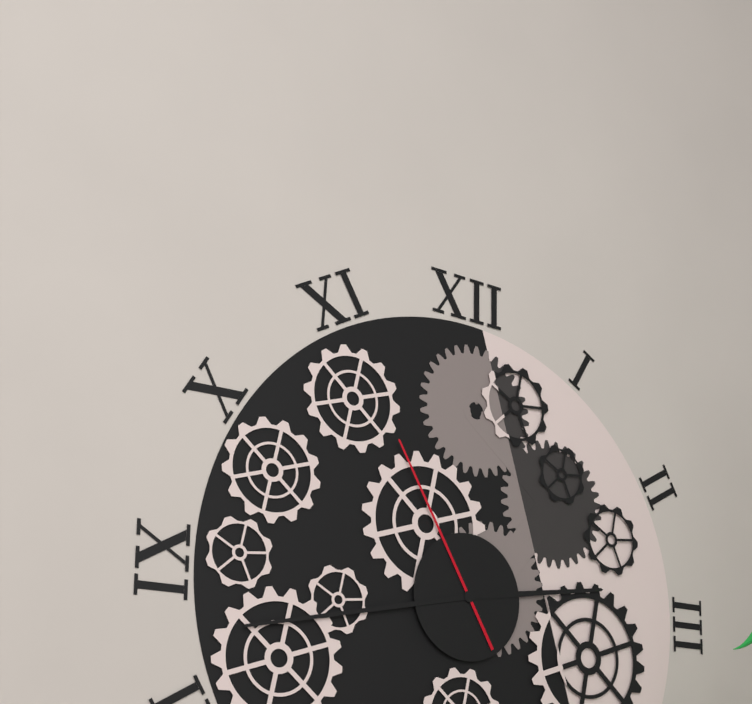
h=2 m=43 s=55
